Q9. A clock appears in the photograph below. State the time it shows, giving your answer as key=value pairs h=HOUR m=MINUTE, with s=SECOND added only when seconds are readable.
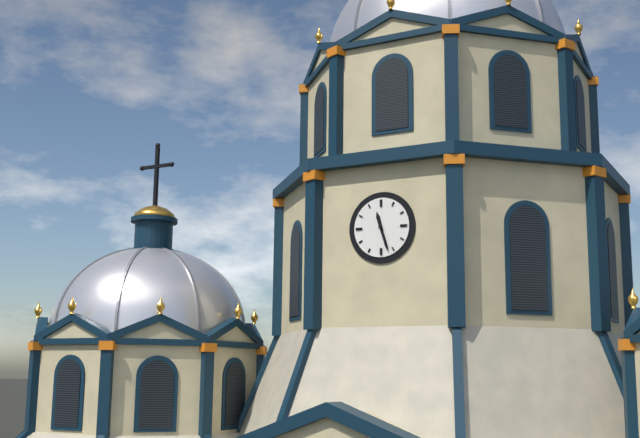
h=11 m=27
